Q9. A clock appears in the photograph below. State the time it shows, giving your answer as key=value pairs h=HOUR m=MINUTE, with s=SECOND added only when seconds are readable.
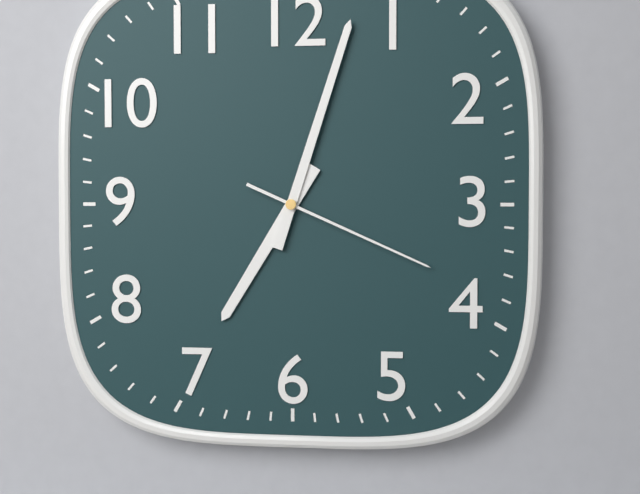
h=7 m=3 s=19
